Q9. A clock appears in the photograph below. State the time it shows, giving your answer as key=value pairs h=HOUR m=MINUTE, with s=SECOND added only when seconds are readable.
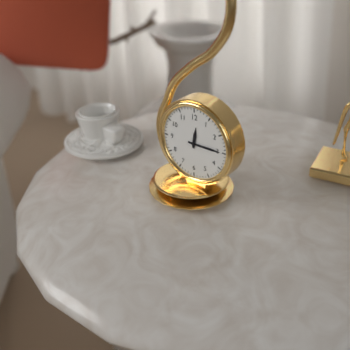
h=12 m=15
